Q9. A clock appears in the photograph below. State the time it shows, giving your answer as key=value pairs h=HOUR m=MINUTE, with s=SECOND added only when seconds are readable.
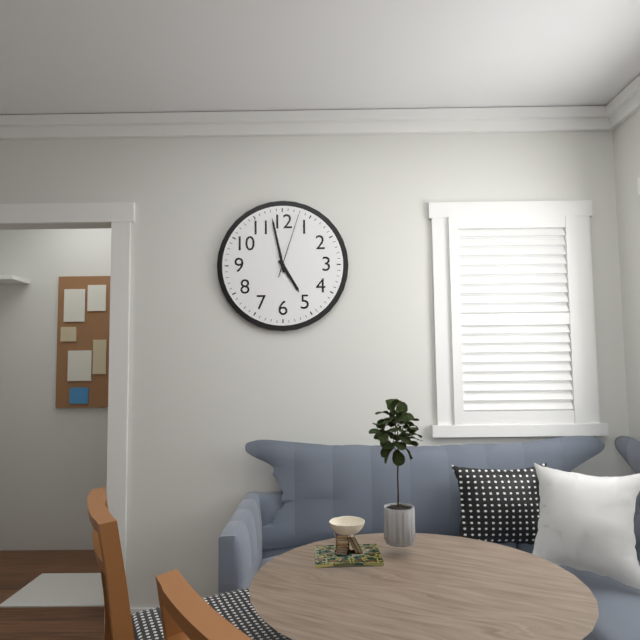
h=4 m=58 s=3
